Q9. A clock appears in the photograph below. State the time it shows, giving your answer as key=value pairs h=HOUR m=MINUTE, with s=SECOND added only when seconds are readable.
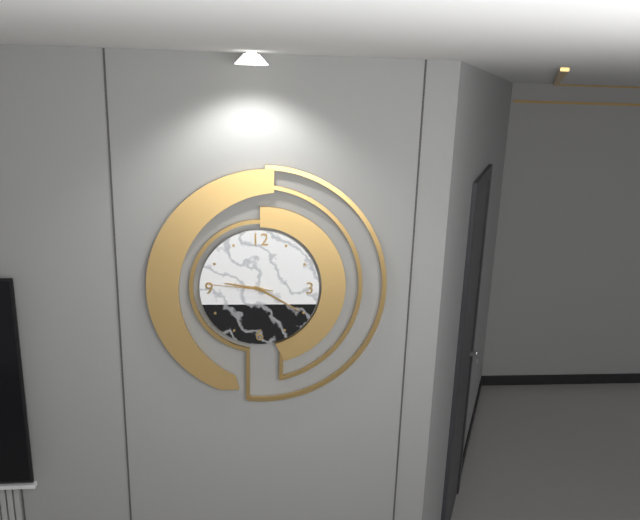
h=9 m=20 s=46
